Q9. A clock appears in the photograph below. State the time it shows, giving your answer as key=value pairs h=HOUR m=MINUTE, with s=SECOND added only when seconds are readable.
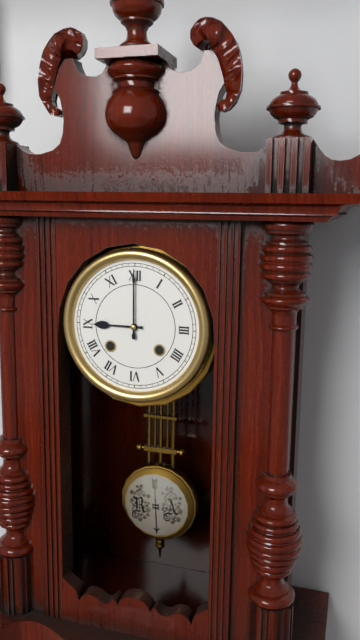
h=9 m=0
